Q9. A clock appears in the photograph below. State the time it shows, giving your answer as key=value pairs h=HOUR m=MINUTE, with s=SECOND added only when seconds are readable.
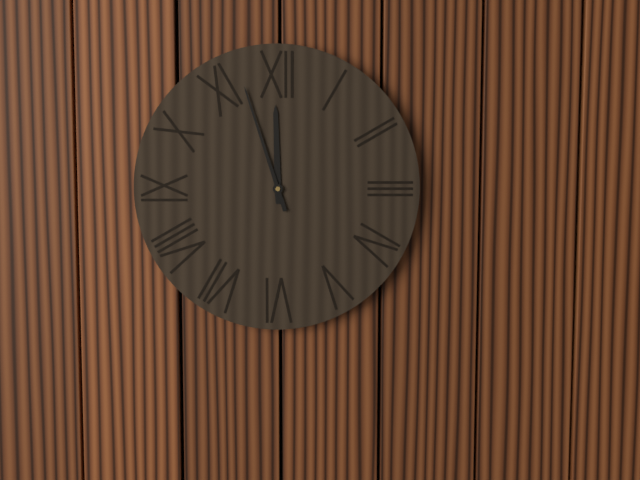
h=11 m=57
